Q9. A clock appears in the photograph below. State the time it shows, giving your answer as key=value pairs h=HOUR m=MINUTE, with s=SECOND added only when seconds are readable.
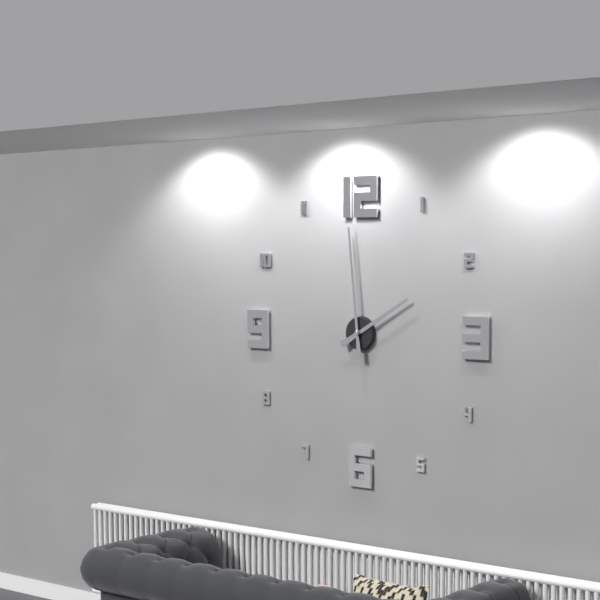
h=1 m=59
